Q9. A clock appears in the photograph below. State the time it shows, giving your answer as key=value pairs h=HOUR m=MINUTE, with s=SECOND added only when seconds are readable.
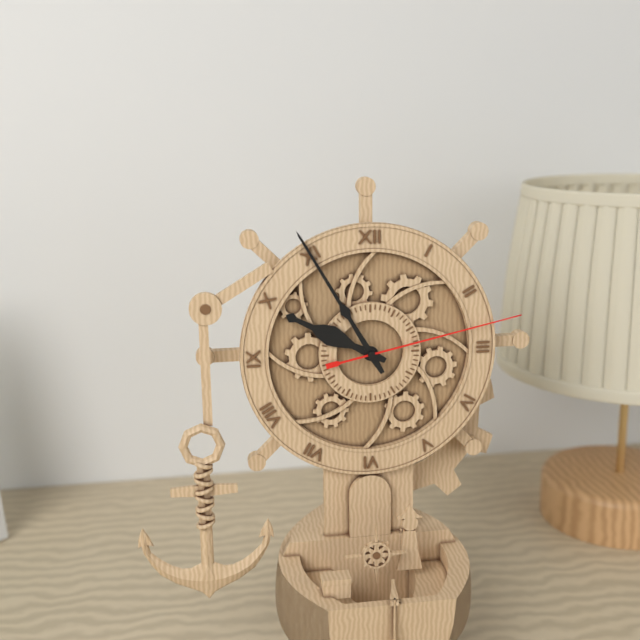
h=9 m=55 s=13
